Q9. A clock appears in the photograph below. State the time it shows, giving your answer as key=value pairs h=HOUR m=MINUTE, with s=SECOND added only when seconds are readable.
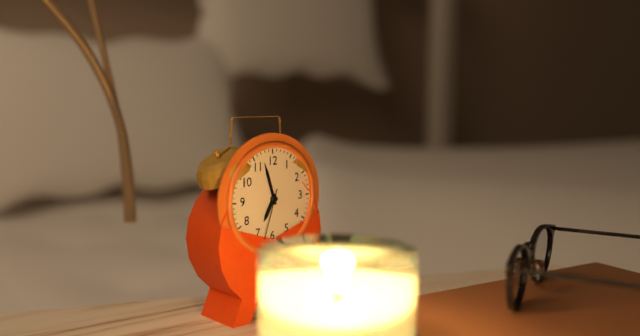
h=6 m=57 s=33
